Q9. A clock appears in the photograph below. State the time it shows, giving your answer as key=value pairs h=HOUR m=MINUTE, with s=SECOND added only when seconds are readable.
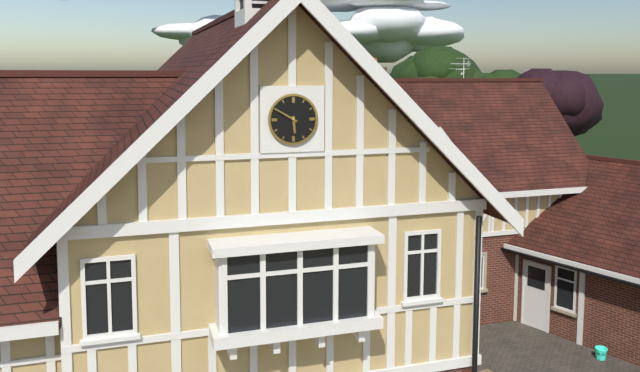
h=5 m=50
